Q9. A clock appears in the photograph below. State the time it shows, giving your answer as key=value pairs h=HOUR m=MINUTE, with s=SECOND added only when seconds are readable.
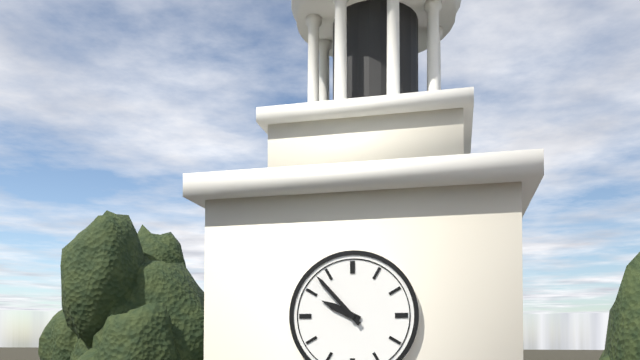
h=9 m=53
